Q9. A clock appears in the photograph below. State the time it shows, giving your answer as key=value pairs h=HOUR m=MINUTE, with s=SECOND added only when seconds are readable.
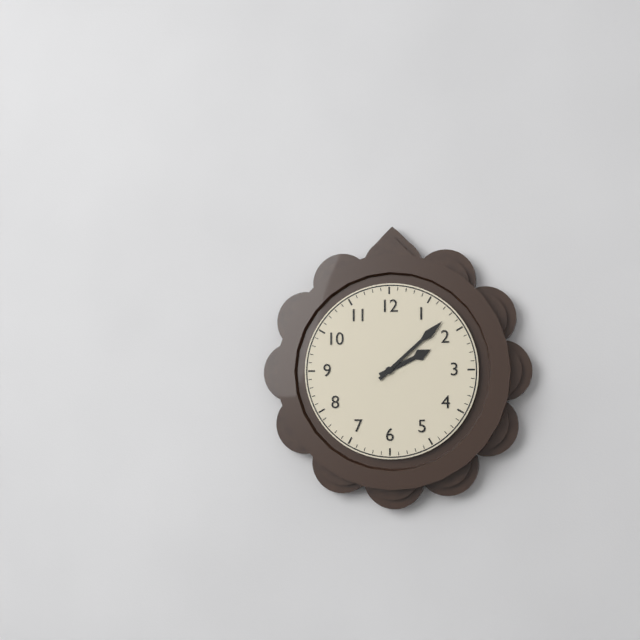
h=2 m=8
